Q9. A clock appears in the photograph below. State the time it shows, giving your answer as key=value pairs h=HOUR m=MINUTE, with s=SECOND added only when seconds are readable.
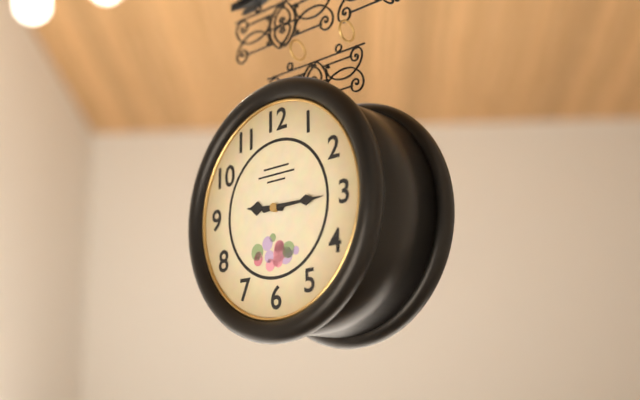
h=9 m=15
